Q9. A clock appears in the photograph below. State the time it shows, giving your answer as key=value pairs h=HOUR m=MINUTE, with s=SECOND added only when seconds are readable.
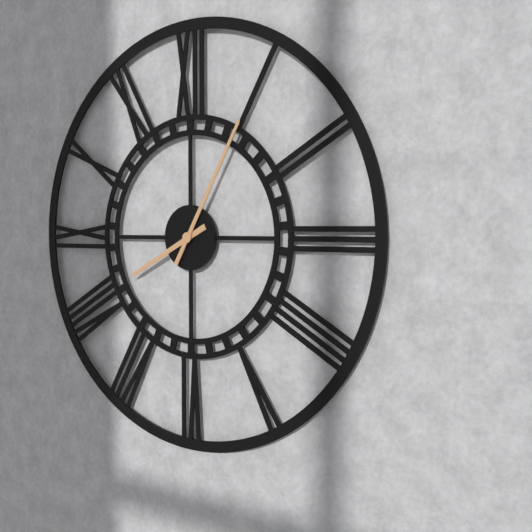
h=8 m=5
